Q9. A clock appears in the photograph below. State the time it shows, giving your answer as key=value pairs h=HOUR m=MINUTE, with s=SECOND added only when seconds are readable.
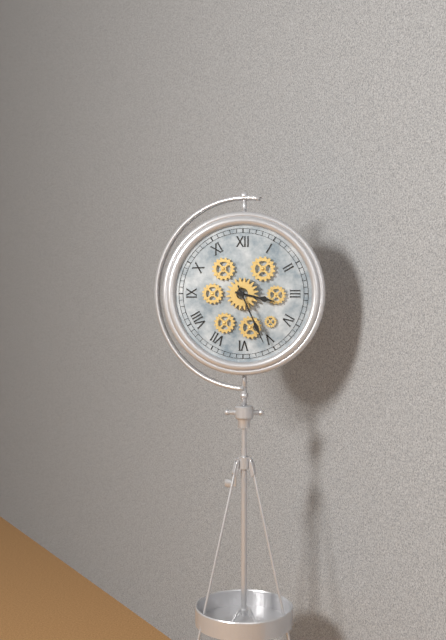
h=3 m=26
